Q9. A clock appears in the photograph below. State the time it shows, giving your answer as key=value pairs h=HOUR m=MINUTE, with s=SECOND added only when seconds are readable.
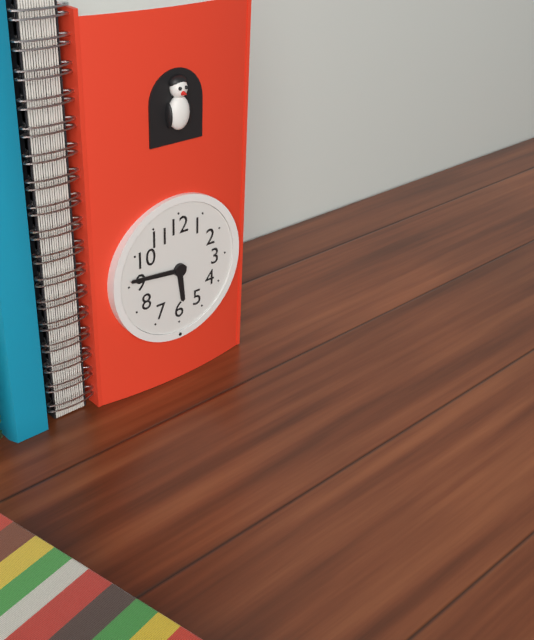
h=5 m=46
